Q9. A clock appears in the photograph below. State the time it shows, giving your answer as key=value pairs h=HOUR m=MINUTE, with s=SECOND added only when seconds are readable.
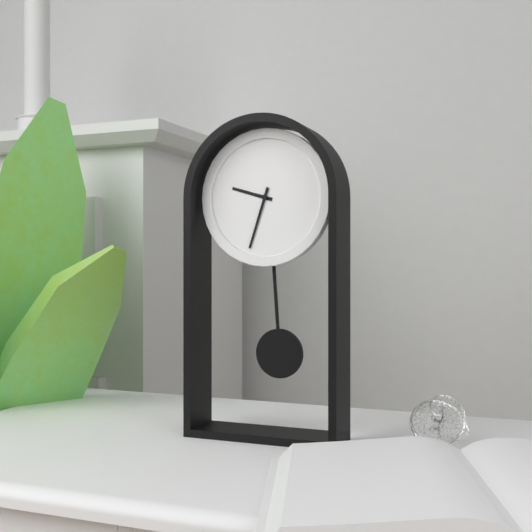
h=9 m=33
